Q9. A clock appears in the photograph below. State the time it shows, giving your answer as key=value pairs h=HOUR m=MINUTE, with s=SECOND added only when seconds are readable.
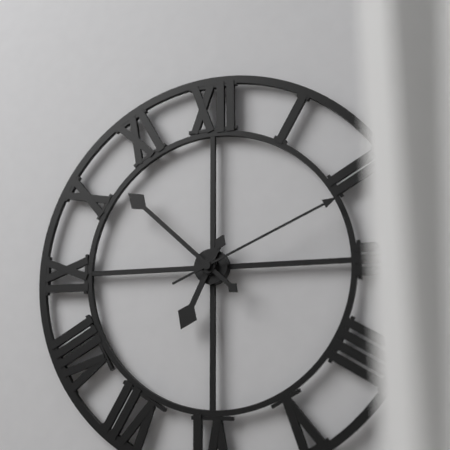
h=6 m=52 s=11
